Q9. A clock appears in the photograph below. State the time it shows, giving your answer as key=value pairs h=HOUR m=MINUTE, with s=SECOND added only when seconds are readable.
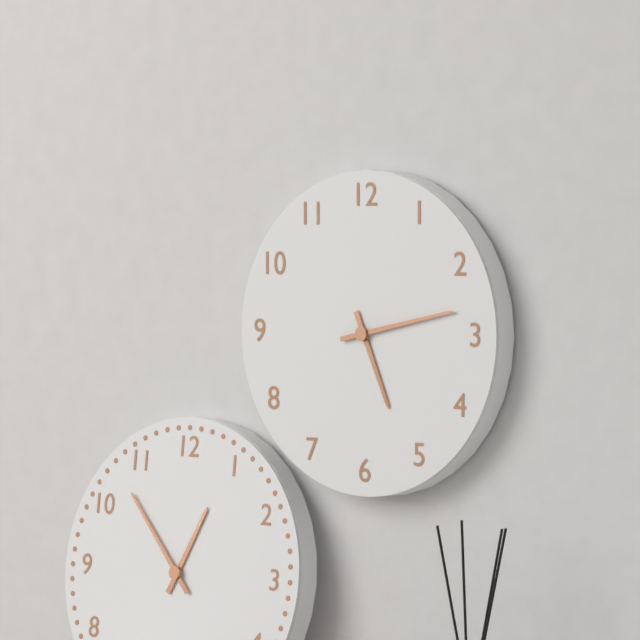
h=5 m=13
